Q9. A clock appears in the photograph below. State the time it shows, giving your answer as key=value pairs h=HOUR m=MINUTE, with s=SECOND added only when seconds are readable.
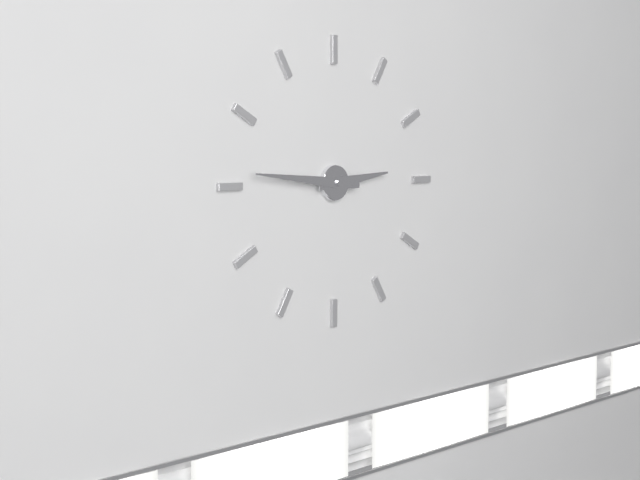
h=2 m=46
